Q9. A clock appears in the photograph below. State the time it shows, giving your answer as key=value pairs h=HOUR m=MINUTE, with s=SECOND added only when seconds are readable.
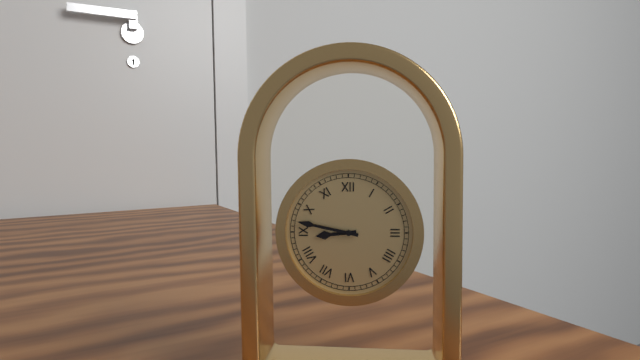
h=8 m=47
